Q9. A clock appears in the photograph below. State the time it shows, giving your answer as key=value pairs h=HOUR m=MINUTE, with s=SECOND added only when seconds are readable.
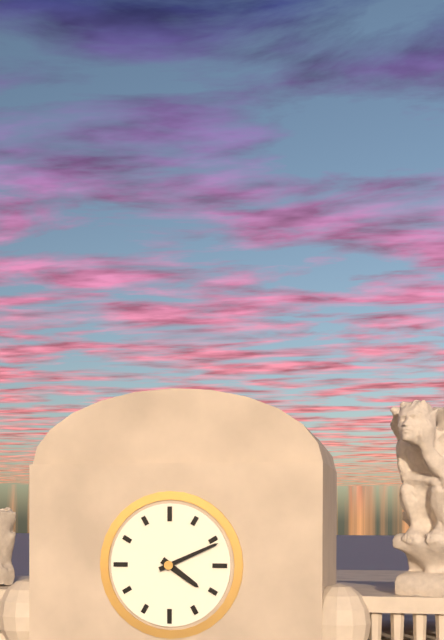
h=4 m=11
